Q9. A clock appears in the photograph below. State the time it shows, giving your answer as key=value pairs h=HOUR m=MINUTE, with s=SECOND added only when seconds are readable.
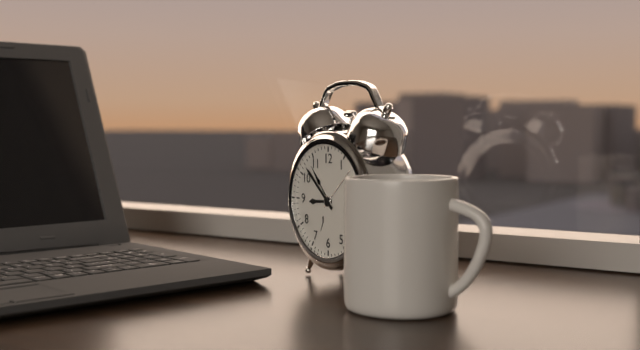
h=8 m=52
